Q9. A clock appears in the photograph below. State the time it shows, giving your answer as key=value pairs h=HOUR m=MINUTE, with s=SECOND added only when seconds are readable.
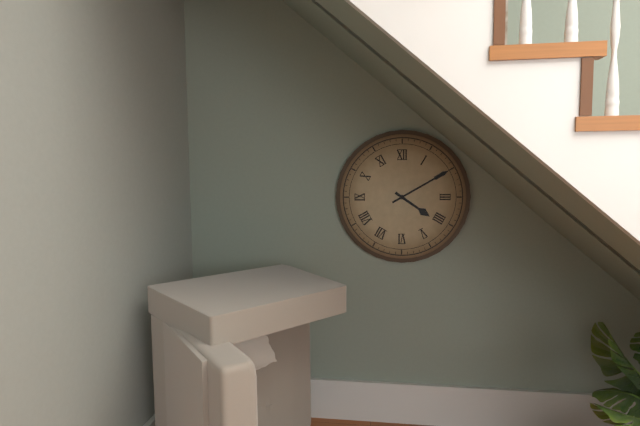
h=4 m=10
